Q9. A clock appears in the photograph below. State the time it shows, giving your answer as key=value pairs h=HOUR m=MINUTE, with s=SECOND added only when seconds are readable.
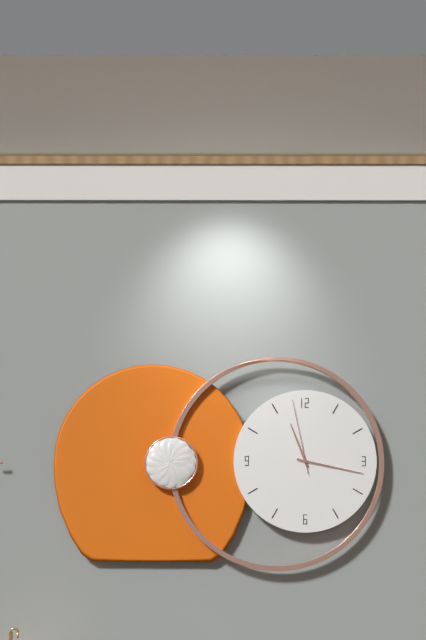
h=11 m=17 s=58
